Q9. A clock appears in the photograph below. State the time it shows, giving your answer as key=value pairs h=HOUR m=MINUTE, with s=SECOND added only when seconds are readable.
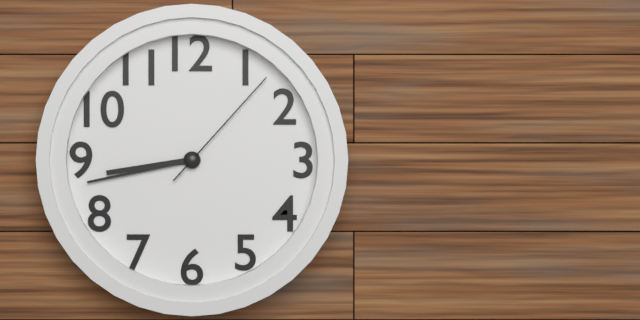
h=8 m=43 s=7
